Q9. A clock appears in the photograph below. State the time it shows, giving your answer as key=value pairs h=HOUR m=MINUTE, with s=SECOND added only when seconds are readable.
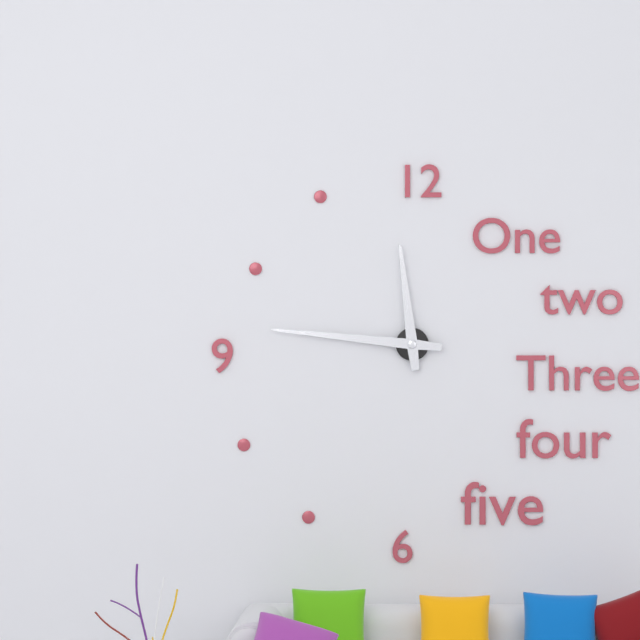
h=11 m=46
